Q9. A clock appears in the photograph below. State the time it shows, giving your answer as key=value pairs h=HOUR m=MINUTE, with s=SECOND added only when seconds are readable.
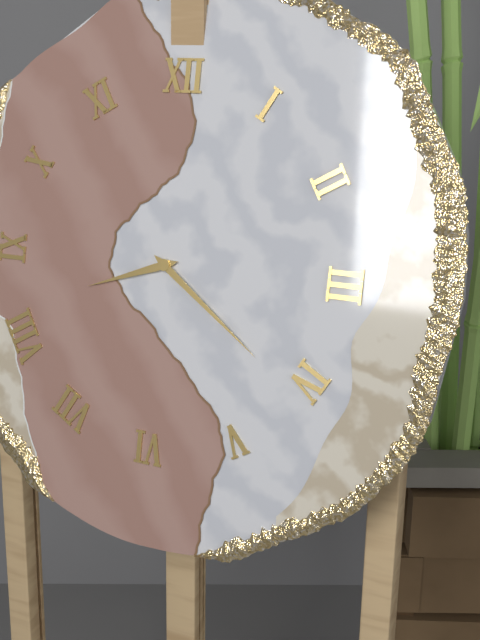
h=8 m=21
